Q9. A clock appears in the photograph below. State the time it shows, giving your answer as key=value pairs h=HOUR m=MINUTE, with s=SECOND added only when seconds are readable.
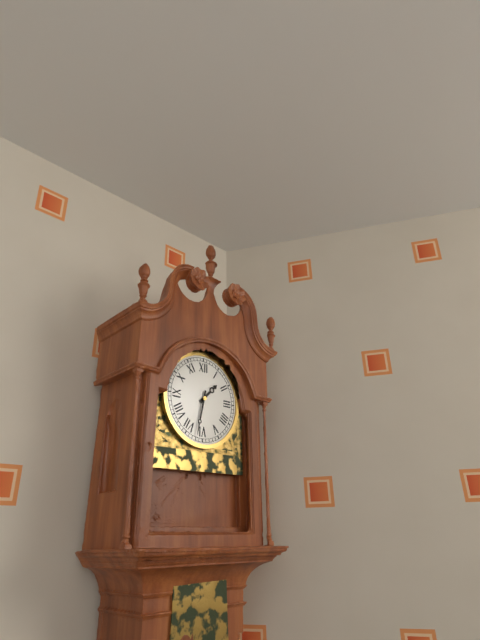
h=1 m=32
